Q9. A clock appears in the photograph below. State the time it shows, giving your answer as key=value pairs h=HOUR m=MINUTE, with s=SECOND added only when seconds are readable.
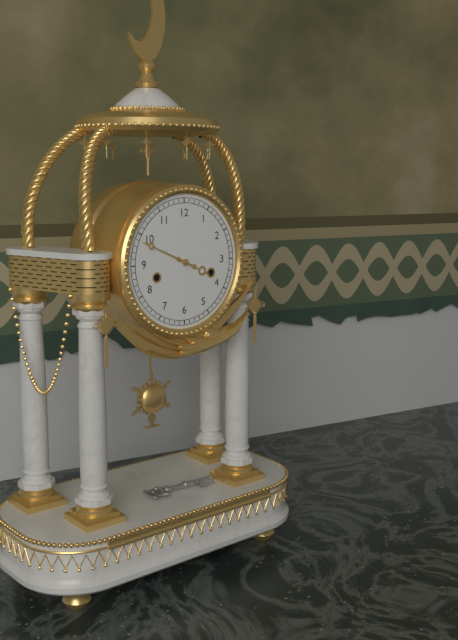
h=3 m=49
